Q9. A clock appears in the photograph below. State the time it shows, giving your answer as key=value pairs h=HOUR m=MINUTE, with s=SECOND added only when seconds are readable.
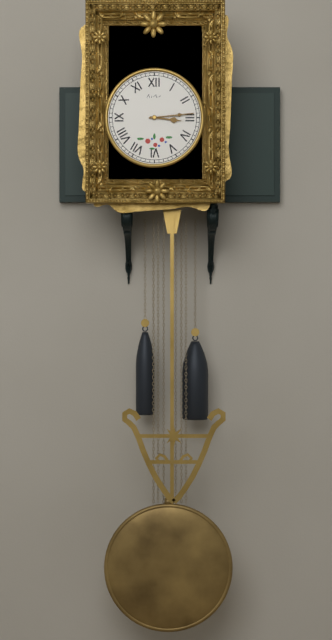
h=3 m=14
